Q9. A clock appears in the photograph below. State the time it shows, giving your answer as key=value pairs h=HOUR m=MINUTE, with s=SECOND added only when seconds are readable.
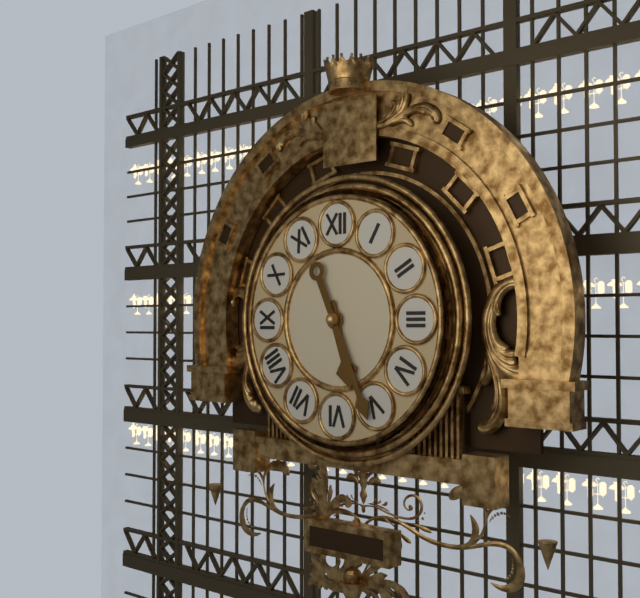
h=5 m=26
